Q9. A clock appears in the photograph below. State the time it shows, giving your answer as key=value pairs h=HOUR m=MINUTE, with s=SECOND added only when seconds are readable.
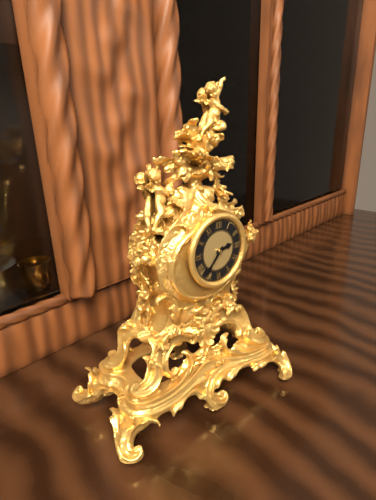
h=2 m=37
